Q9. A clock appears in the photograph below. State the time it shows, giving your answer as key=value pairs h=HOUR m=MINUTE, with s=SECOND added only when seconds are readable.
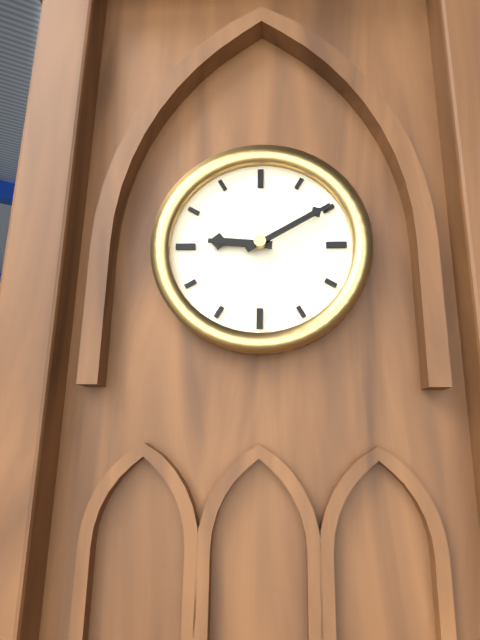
h=9 m=10
